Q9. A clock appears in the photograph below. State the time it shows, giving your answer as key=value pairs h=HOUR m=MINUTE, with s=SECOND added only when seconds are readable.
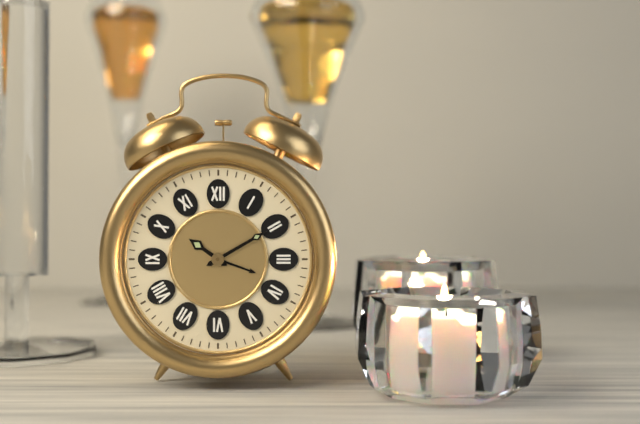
h=10 m=10
